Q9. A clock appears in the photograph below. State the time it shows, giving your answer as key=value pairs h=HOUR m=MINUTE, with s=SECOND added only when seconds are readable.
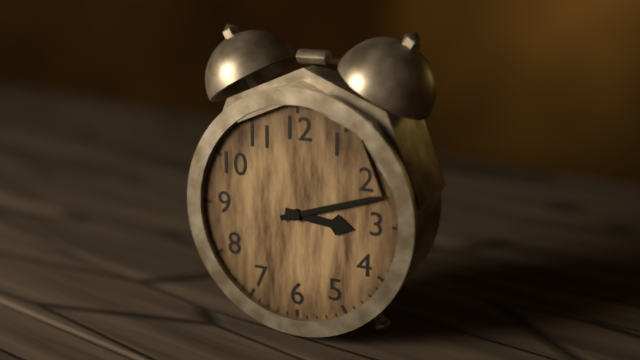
h=3 m=12
